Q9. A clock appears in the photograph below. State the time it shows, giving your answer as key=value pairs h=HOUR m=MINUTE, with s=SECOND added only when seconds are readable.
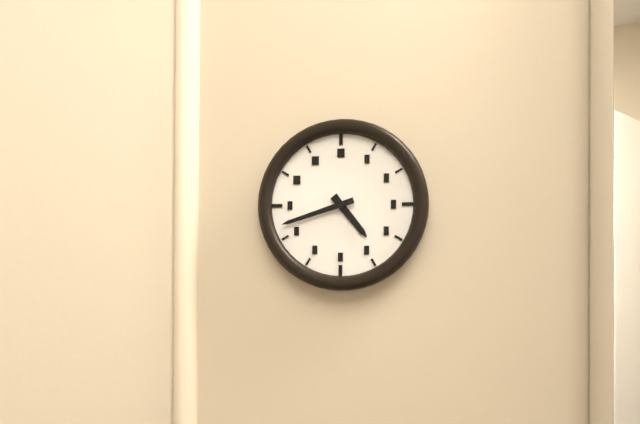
h=4 m=42
